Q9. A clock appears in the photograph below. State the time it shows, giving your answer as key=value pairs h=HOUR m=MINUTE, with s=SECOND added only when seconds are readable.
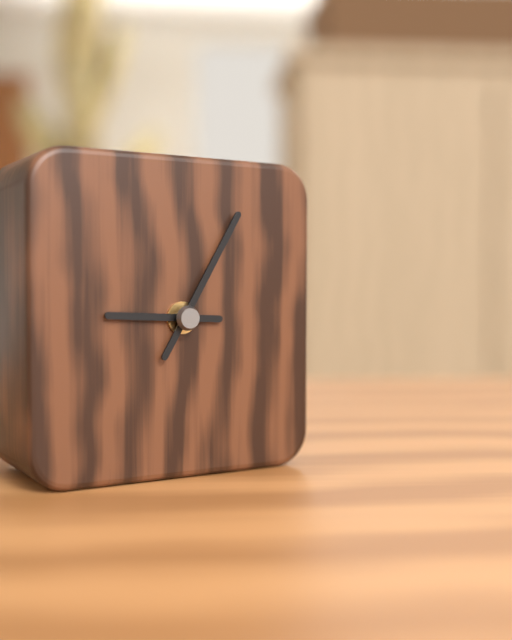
h=9 m=5
